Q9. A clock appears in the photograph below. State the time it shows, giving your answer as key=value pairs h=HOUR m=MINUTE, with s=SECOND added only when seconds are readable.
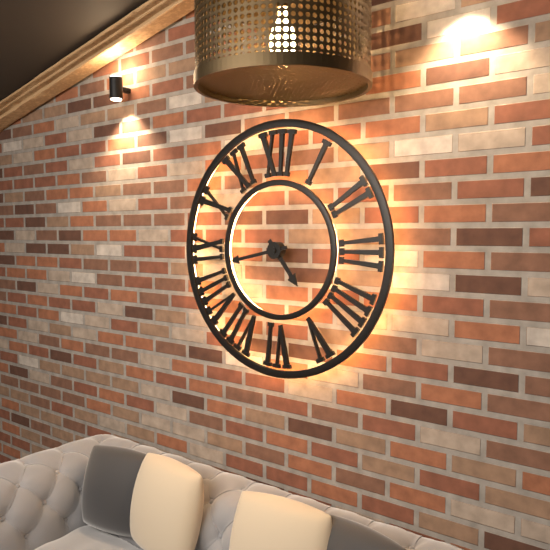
h=4 m=43
